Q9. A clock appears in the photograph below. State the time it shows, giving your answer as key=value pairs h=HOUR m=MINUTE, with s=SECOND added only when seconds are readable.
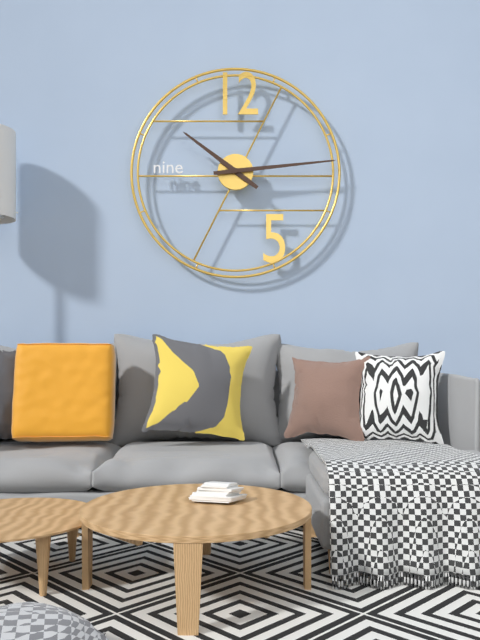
h=10 m=14
